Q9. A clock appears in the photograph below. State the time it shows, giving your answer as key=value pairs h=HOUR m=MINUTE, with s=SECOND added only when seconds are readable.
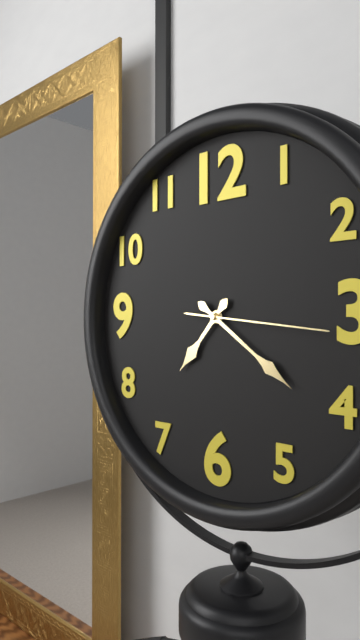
h=7 m=21 s=16
